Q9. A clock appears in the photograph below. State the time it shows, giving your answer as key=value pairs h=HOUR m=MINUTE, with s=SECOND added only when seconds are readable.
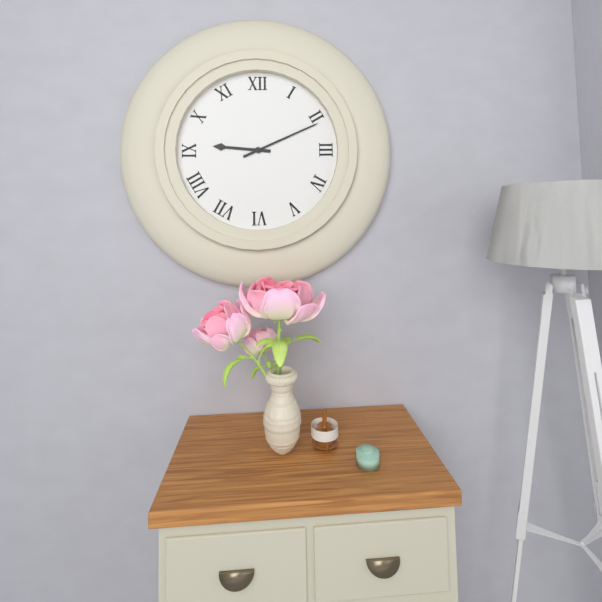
h=9 m=11
